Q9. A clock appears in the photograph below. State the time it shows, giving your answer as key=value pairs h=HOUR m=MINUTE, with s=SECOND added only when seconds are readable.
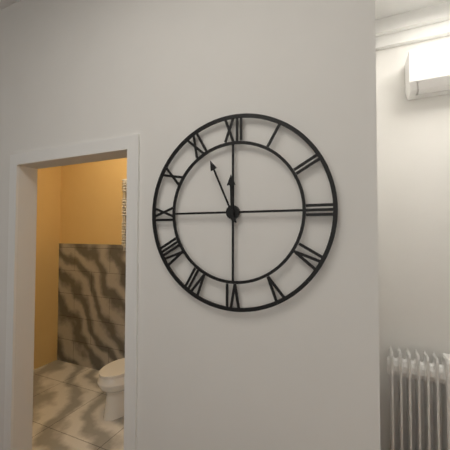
h=11 m=56
